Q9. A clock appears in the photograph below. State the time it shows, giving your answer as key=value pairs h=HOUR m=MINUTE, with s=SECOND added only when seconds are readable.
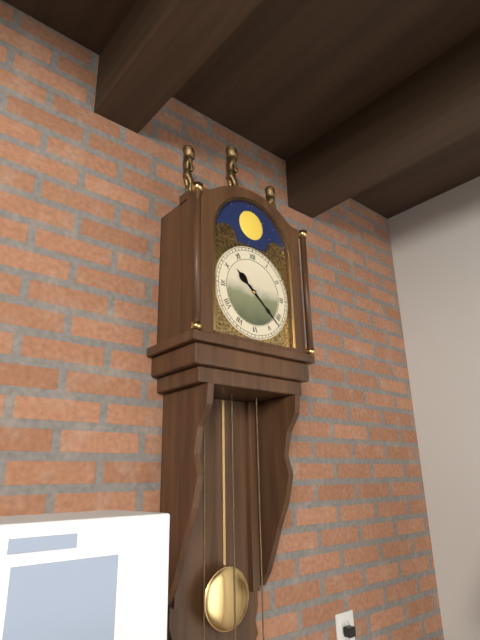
h=10 m=22
